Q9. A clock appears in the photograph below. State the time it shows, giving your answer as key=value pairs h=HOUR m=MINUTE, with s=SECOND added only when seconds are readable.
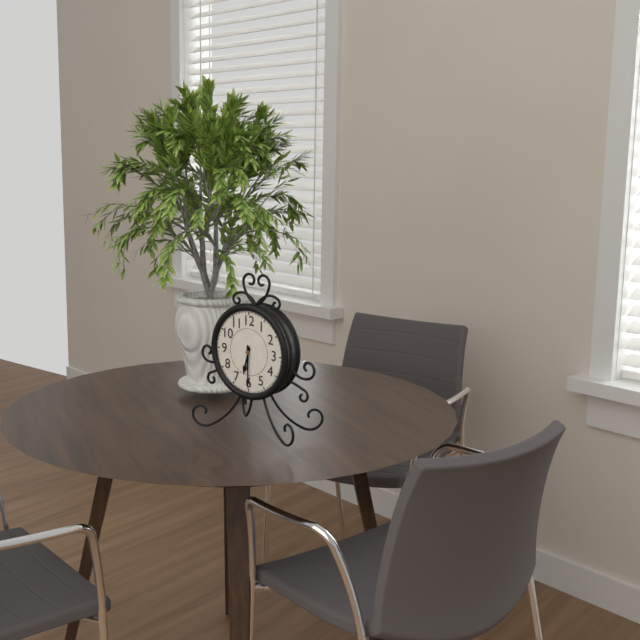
h=6 m=30
